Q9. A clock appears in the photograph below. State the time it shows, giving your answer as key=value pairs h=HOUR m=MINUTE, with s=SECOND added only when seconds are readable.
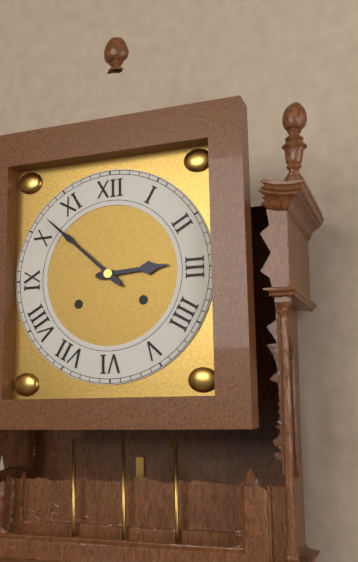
h=2 m=52
